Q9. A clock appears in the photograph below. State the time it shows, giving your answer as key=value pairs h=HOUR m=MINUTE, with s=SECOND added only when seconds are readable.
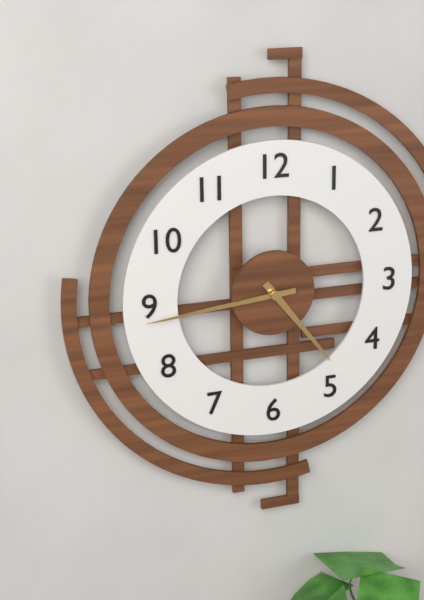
h=4 m=44
